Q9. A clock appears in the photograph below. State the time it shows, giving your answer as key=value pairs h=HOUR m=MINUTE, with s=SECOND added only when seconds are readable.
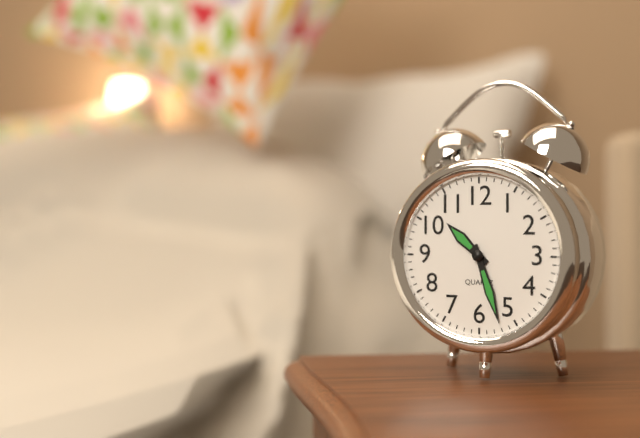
h=10 m=27
